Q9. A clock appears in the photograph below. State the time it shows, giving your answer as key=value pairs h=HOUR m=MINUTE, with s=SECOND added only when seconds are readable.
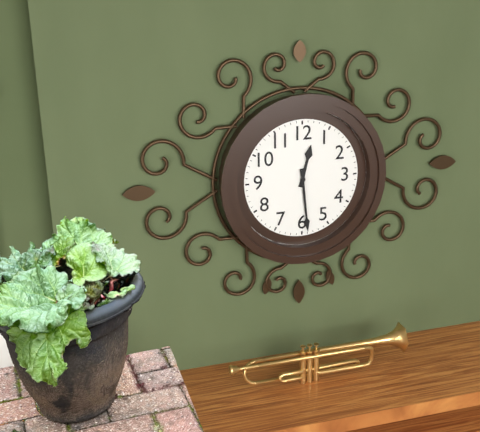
h=12 m=29
